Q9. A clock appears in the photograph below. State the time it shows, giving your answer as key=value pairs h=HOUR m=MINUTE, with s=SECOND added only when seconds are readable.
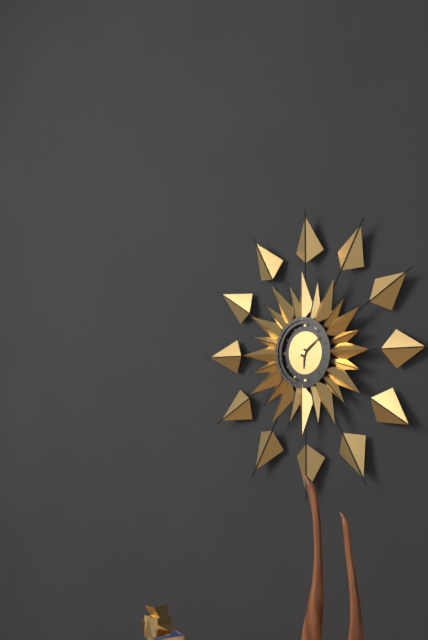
h=6 m=9
